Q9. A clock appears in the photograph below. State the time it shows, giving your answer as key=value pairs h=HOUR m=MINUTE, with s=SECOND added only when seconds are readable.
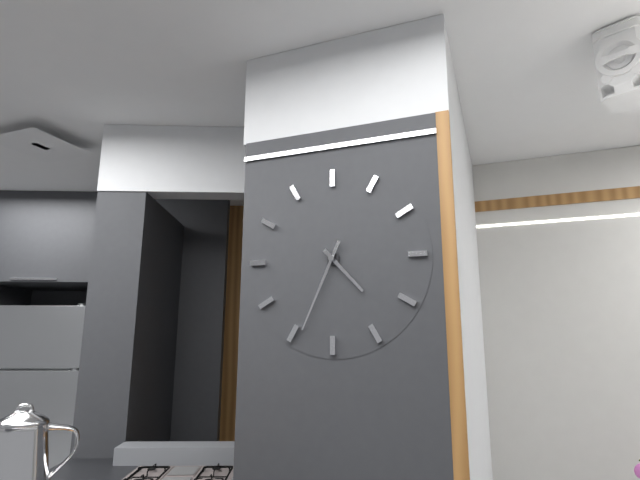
h=4 m=34
